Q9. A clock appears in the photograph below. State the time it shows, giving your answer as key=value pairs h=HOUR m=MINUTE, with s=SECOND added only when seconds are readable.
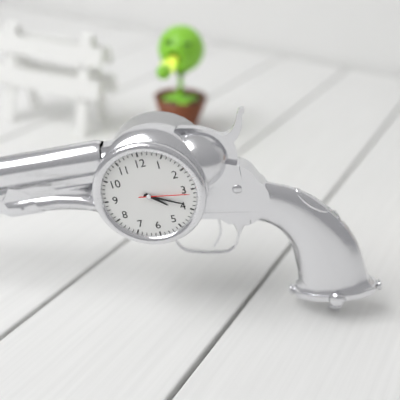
h=4 m=19 s=16
